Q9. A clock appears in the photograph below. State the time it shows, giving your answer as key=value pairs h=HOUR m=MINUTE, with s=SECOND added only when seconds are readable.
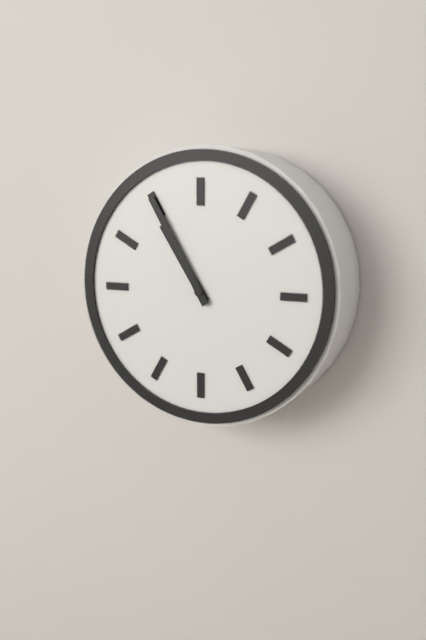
h=10 m=55
